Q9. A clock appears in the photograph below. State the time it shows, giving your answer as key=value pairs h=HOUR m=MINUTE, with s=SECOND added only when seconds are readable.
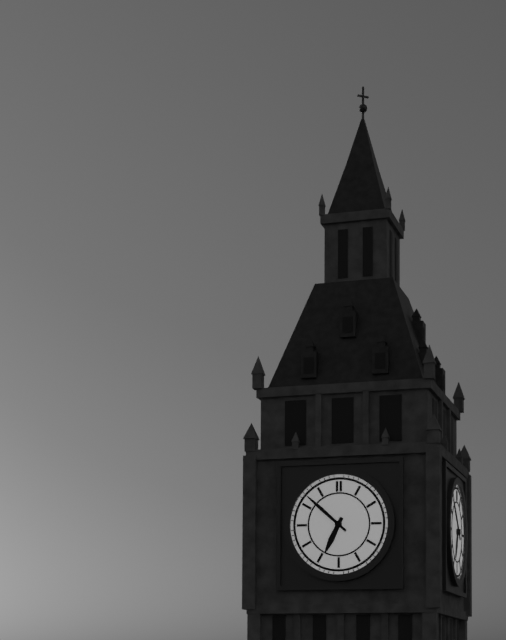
h=6 m=52
